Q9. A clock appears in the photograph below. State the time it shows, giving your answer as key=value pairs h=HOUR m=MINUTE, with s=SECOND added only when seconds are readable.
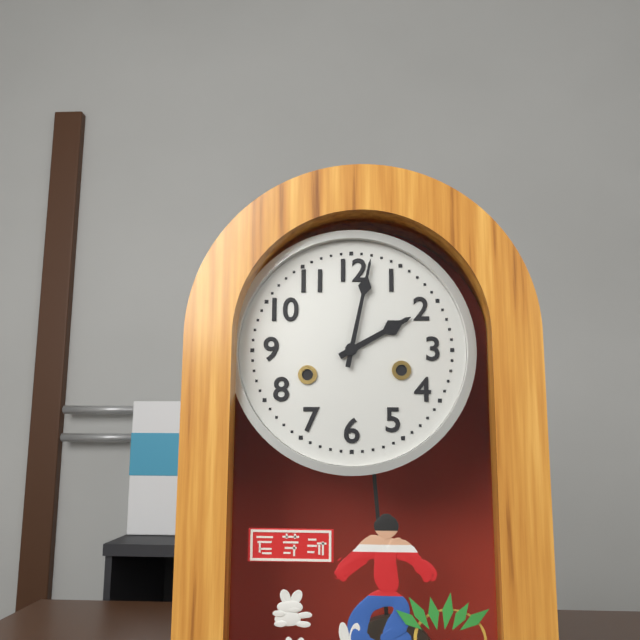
h=2 m=2
